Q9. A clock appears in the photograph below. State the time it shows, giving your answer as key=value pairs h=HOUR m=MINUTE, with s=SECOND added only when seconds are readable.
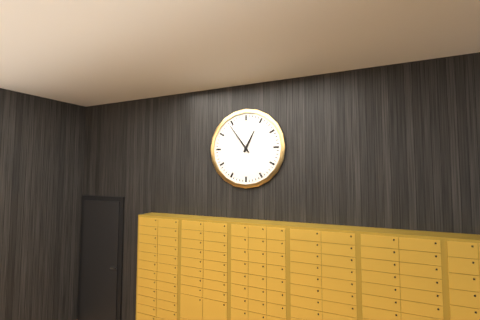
h=12 m=54
